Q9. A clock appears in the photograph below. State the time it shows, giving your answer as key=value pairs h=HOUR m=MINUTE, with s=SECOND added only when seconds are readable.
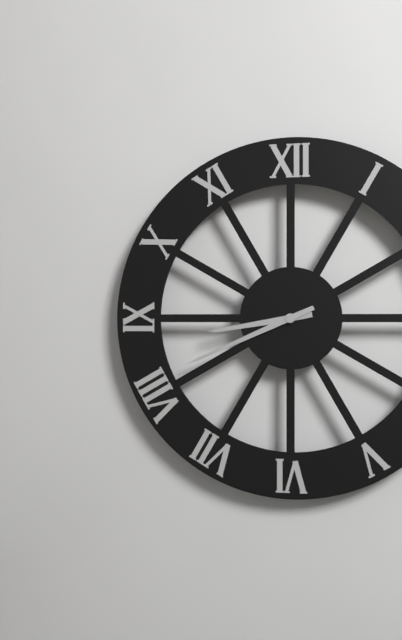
h=8 m=41
